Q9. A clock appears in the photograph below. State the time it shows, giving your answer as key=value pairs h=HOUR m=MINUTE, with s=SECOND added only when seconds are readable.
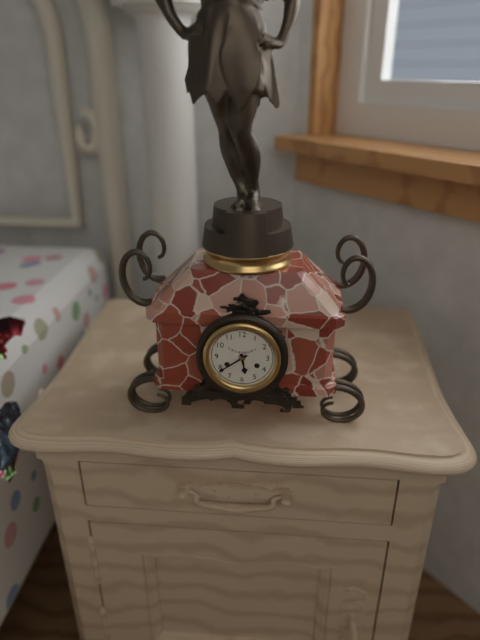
h=5 m=39
